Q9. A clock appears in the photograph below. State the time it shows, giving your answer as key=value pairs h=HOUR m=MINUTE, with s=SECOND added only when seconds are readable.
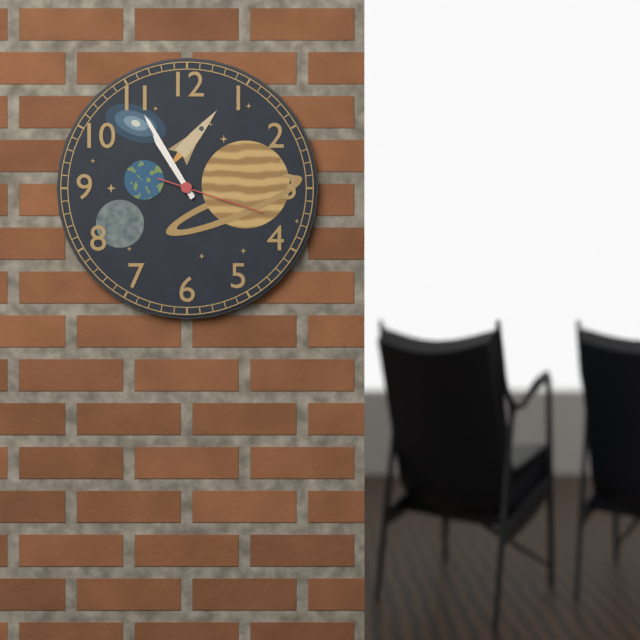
h=10 m=55 s=18
